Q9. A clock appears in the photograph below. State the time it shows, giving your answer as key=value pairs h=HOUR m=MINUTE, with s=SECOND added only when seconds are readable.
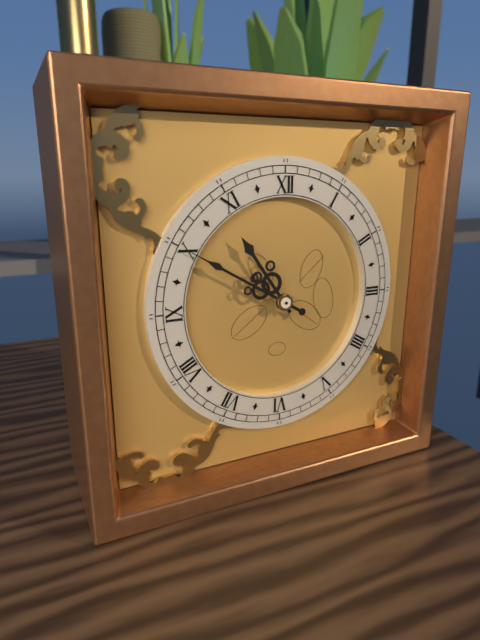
h=10 m=50
